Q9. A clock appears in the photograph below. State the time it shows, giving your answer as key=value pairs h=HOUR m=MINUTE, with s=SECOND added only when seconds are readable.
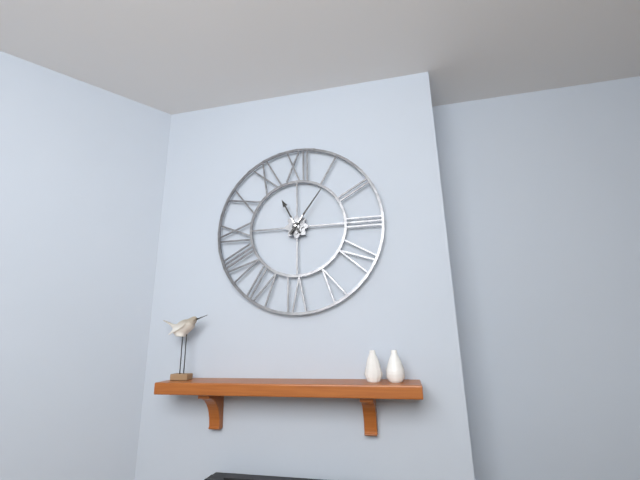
h=11 m=6
